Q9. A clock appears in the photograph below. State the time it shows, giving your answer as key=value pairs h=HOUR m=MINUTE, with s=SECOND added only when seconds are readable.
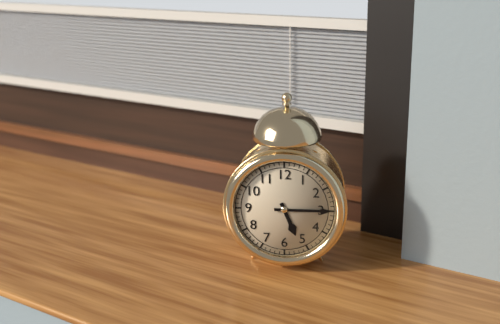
h=5 m=15
